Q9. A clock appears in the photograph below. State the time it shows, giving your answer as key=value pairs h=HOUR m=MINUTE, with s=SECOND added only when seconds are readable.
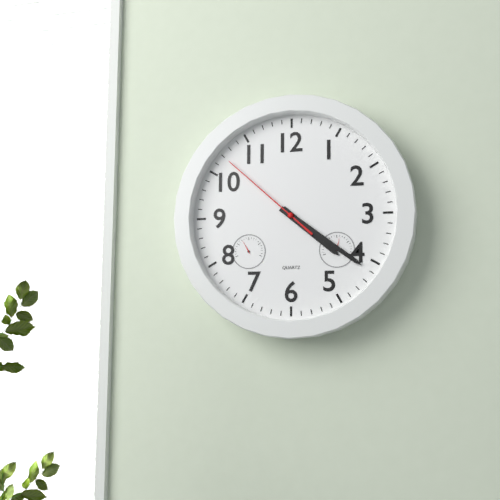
h=4 m=21 s=52
